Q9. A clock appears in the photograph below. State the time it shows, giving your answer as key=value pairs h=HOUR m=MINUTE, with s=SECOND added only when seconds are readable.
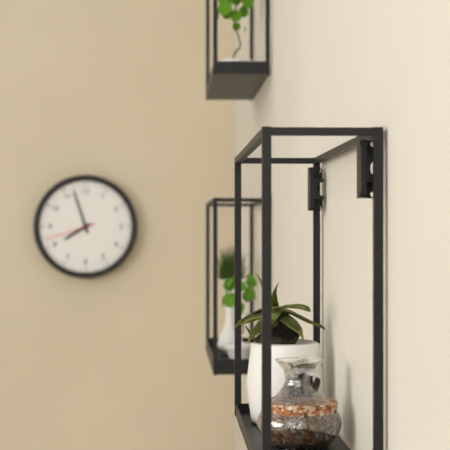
h=7 m=57 s=42
